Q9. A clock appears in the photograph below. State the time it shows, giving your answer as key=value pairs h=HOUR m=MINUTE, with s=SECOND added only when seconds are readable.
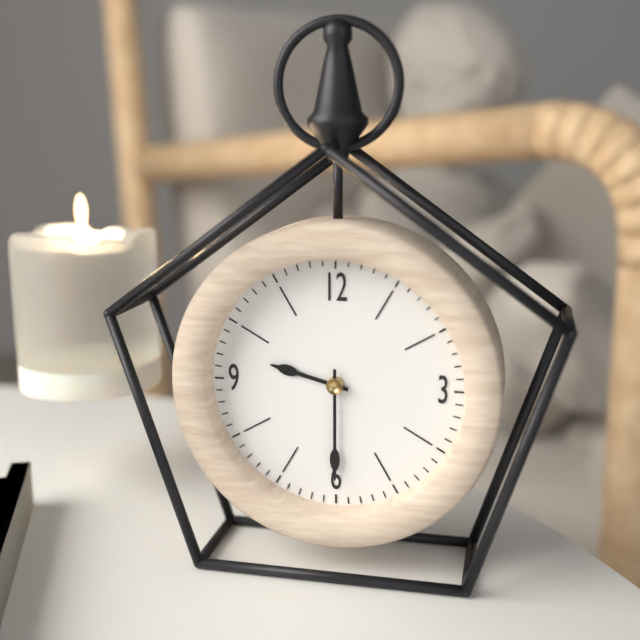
h=9 m=30
